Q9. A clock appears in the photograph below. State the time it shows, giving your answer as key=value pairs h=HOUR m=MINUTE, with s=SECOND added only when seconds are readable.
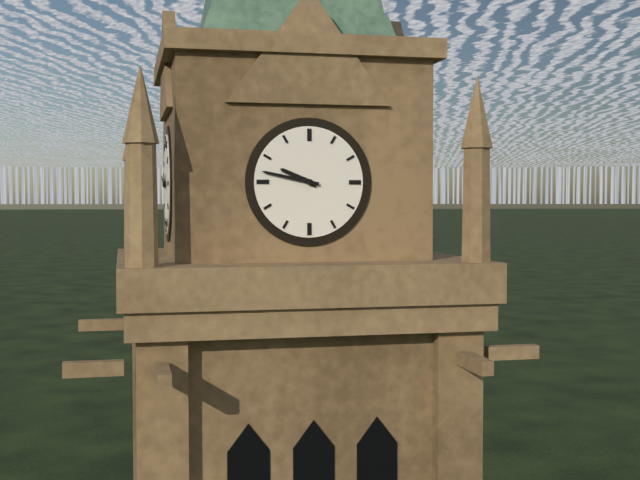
h=9 m=47
